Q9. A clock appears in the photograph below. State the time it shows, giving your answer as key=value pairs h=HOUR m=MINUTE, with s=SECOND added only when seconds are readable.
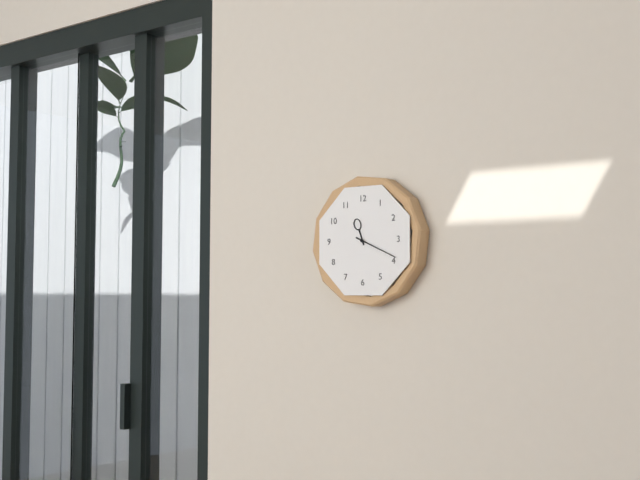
h=11 m=19
